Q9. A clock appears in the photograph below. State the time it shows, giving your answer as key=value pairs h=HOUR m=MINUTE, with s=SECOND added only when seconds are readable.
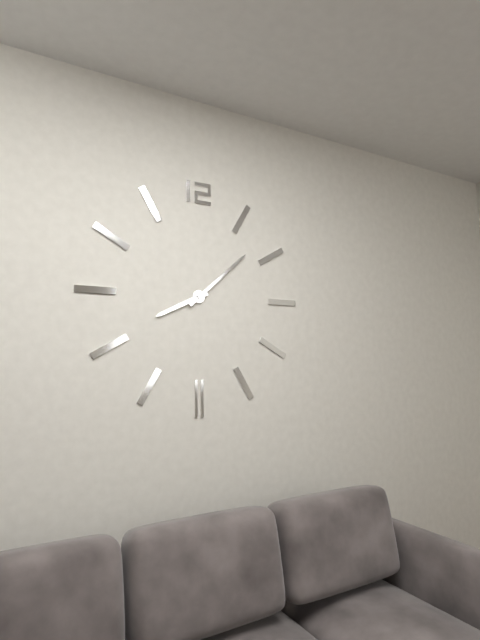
h=8 m=8
